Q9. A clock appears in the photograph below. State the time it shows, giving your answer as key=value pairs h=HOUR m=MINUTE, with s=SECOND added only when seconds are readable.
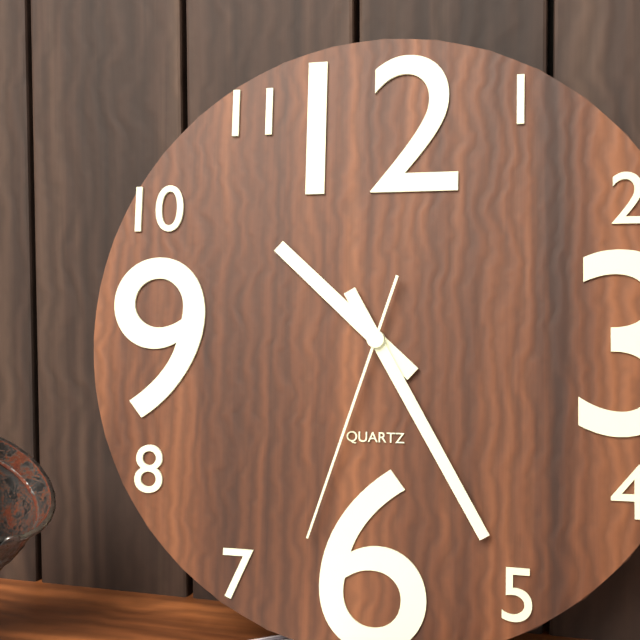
h=10 m=25 s=33
